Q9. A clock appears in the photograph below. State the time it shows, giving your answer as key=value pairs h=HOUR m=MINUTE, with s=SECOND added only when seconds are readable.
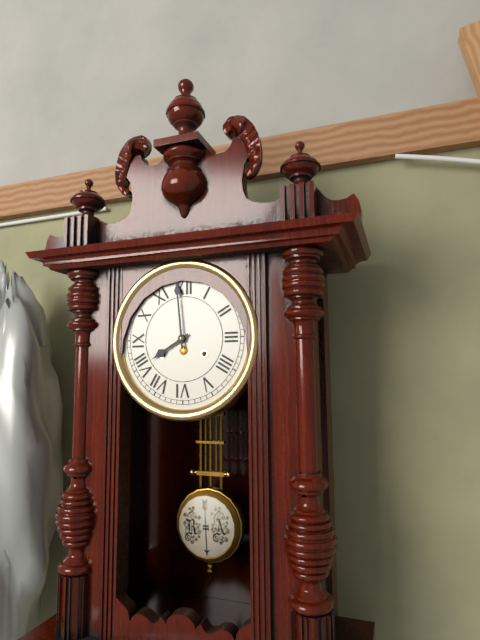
h=7 m=59
